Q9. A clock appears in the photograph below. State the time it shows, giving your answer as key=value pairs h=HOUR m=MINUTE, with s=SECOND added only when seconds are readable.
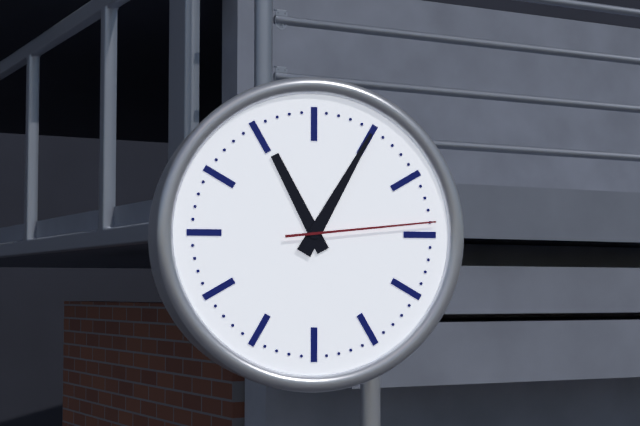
h=11 m=5 s=14
